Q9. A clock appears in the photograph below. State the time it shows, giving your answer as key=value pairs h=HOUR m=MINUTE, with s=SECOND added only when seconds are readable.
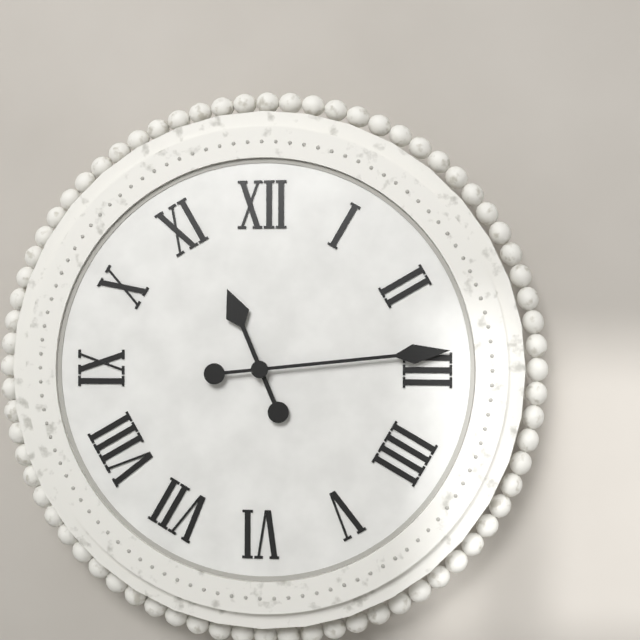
h=11 m=14
